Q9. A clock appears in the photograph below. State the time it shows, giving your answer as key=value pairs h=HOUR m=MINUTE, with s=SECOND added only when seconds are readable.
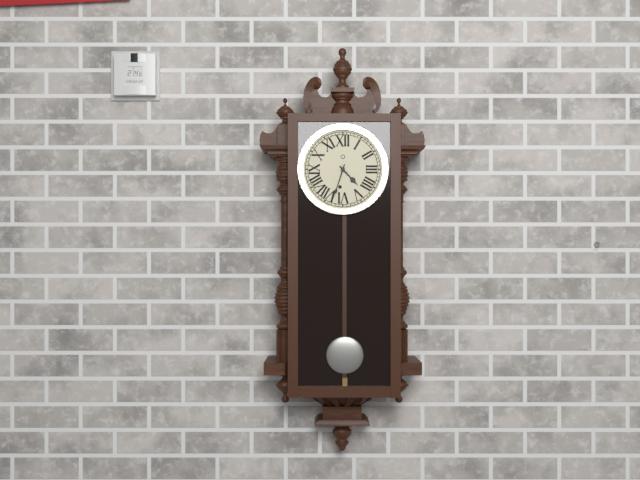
h=4 m=33
